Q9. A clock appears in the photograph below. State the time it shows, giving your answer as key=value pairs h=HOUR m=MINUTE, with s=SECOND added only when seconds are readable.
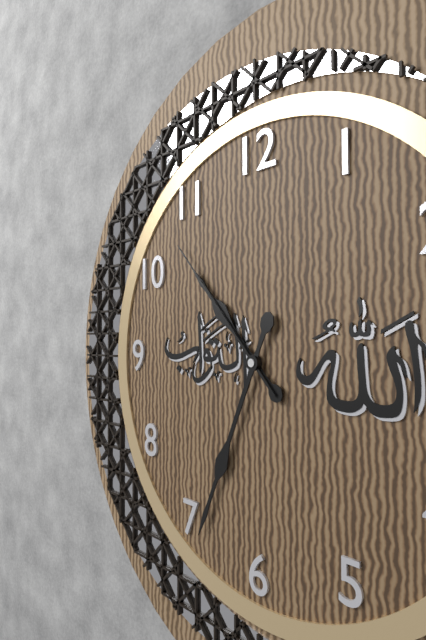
h=10 m=34 s=53
